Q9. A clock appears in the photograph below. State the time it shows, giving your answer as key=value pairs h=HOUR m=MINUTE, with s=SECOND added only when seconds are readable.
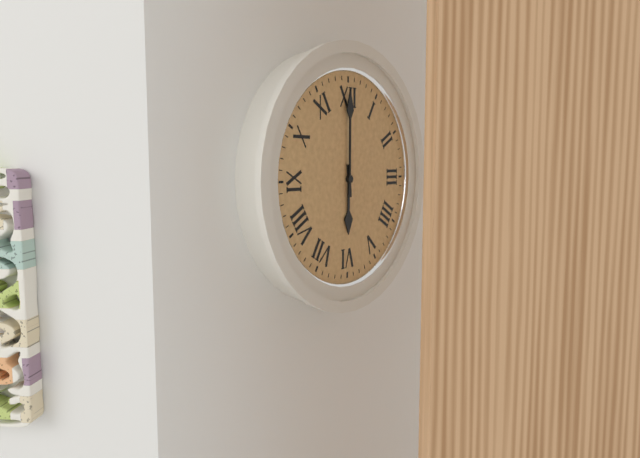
h=6 m=0
